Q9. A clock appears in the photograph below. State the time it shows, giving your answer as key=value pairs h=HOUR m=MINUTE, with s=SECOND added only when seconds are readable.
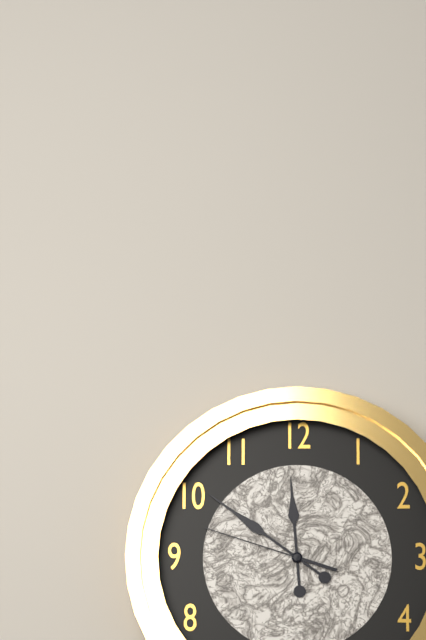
h=11 m=51 s=48
